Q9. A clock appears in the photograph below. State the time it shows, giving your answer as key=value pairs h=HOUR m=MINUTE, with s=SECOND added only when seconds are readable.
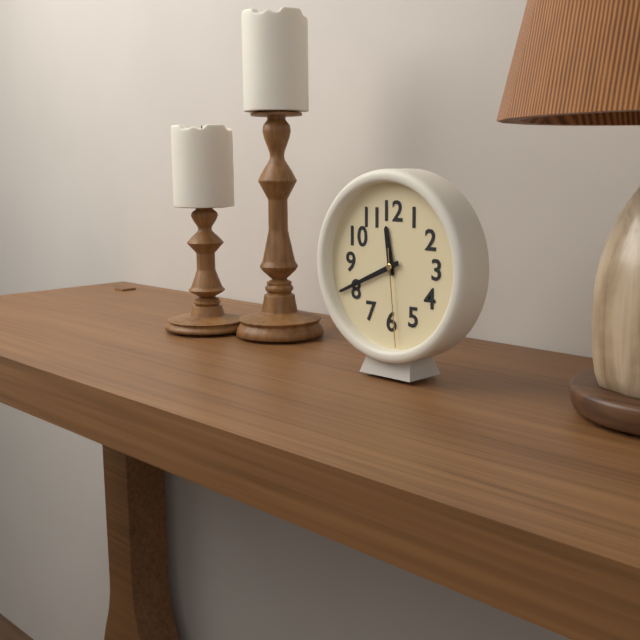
h=11 m=41 s=29
